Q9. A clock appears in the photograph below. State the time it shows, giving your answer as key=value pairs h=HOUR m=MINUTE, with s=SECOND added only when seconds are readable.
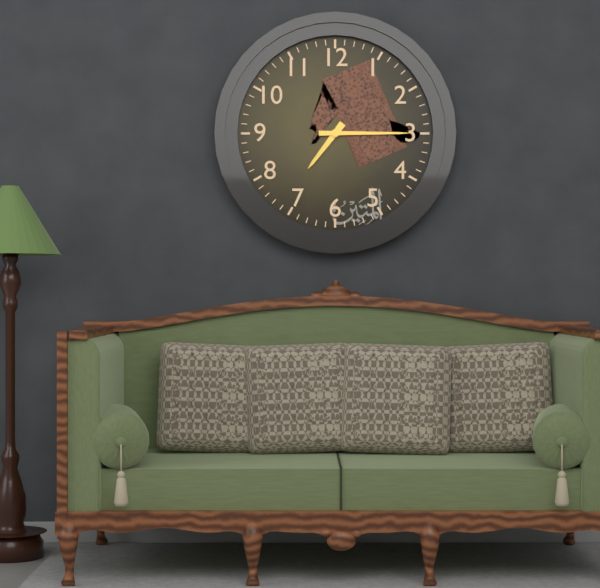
h=7 m=15
